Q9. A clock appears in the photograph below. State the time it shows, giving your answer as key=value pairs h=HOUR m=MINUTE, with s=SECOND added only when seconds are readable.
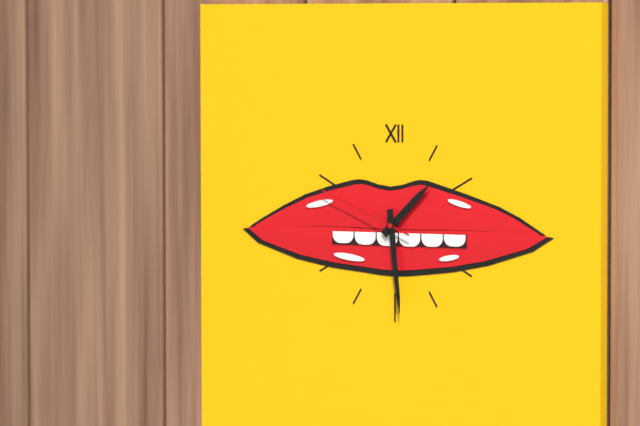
h=1 m=29 s=49
